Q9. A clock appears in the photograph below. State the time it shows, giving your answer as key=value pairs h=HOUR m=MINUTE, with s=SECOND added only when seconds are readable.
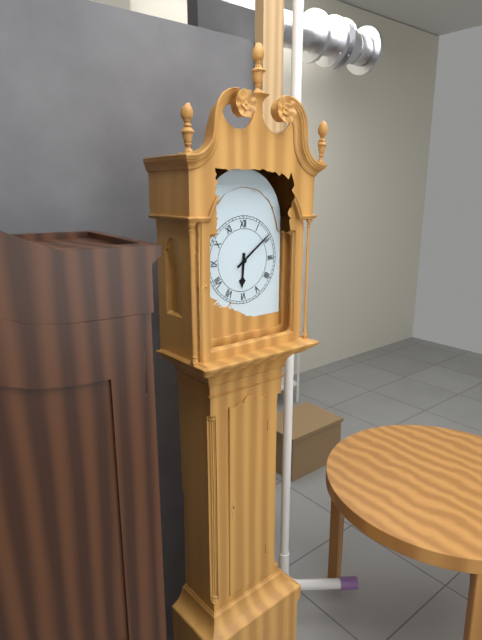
h=6 m=9
